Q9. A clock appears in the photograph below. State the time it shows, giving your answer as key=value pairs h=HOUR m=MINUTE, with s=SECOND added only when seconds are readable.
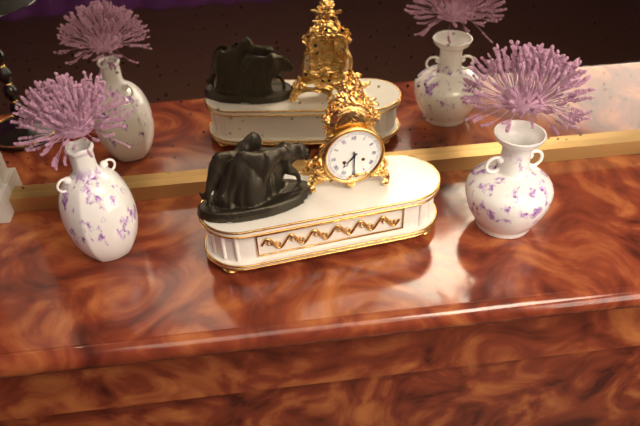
h=7 m=30
